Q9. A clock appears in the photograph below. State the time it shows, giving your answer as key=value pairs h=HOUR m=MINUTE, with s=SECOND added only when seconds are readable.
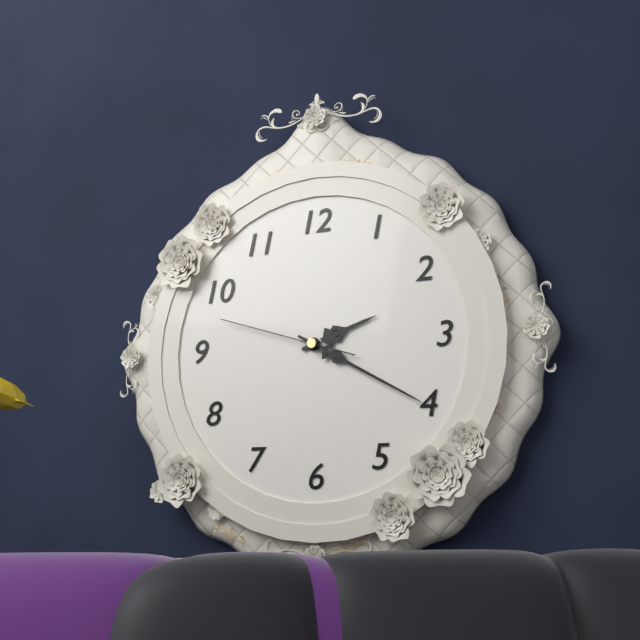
h=2 m=20 s=48
